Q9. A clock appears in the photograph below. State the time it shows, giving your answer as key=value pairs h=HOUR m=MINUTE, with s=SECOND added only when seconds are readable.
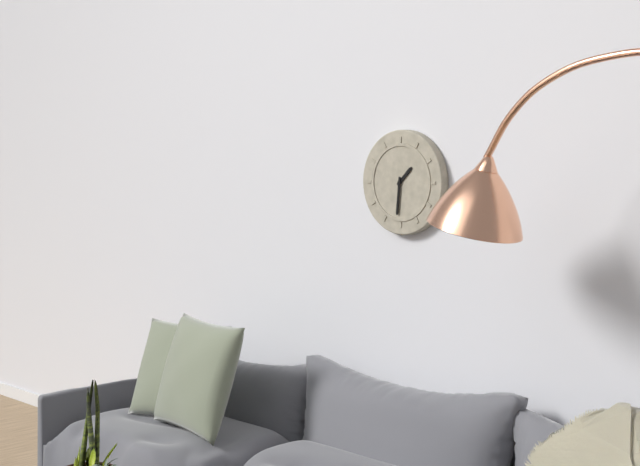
h=1 m=31
